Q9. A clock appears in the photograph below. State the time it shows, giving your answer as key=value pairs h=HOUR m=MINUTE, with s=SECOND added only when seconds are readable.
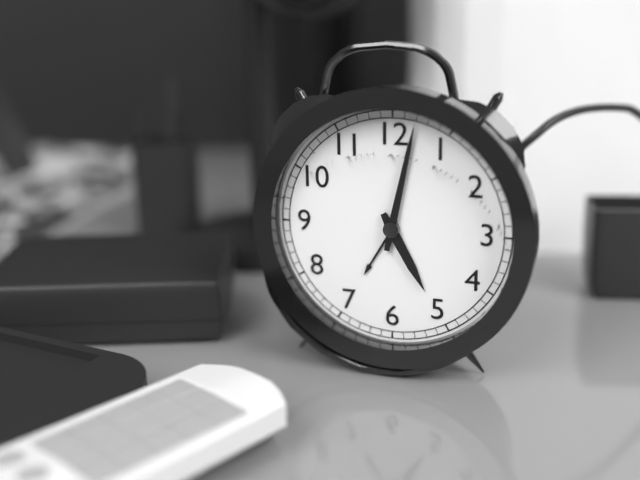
h=5 m=2
